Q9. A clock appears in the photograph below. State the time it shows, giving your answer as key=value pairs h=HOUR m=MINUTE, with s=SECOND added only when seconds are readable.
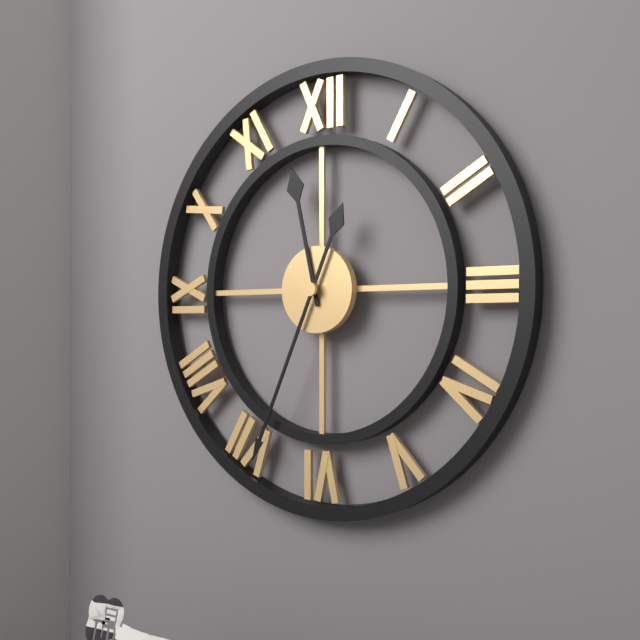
h=11 m=34
